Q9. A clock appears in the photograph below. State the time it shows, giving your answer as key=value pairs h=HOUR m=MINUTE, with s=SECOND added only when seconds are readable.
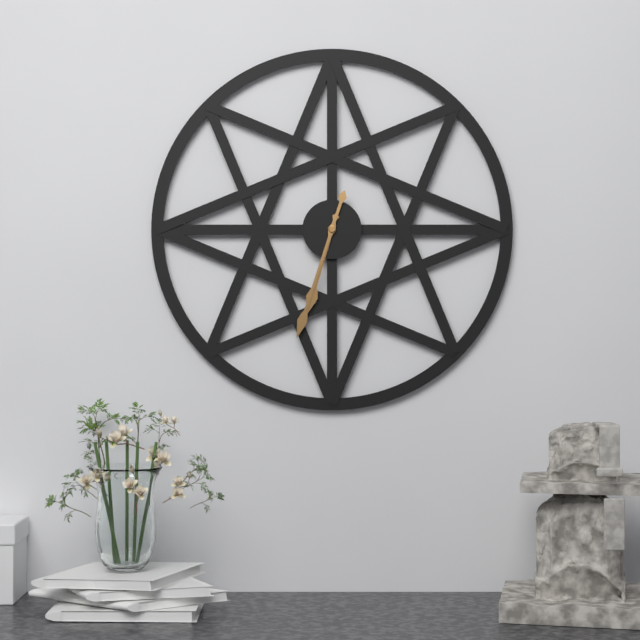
h=6 m=33
